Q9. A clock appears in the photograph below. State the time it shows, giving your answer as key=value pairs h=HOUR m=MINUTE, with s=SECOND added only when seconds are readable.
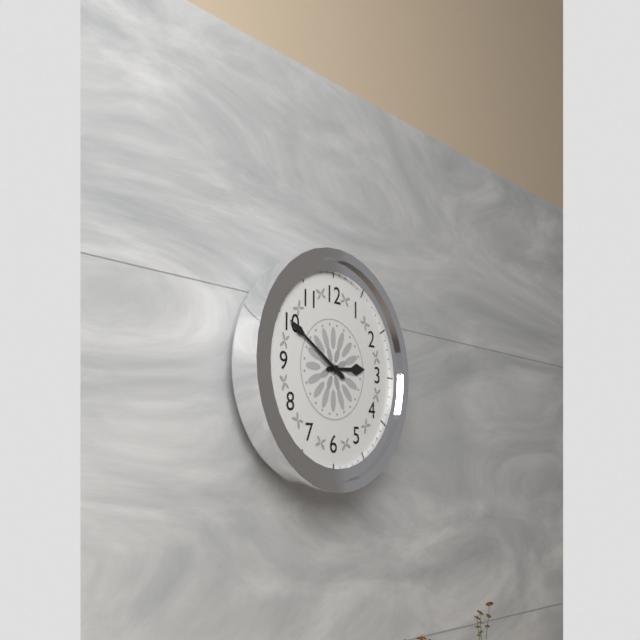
h=2 m=50
